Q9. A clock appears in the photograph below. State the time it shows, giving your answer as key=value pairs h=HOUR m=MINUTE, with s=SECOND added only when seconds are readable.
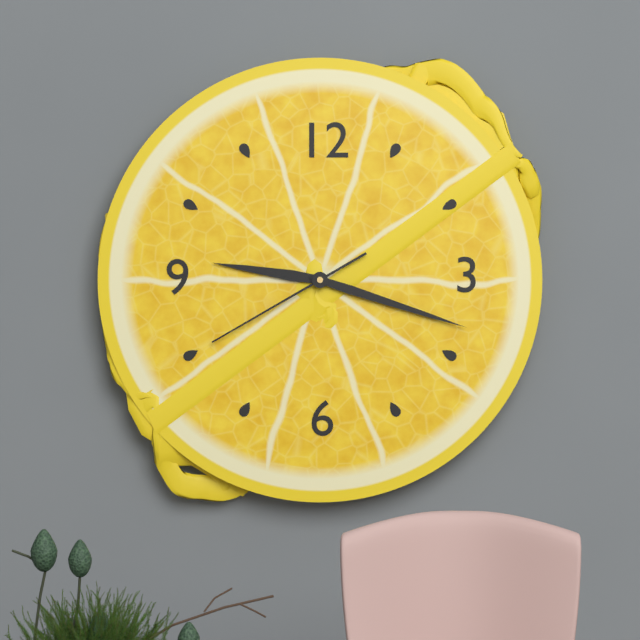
h=9 m=18 s=40
